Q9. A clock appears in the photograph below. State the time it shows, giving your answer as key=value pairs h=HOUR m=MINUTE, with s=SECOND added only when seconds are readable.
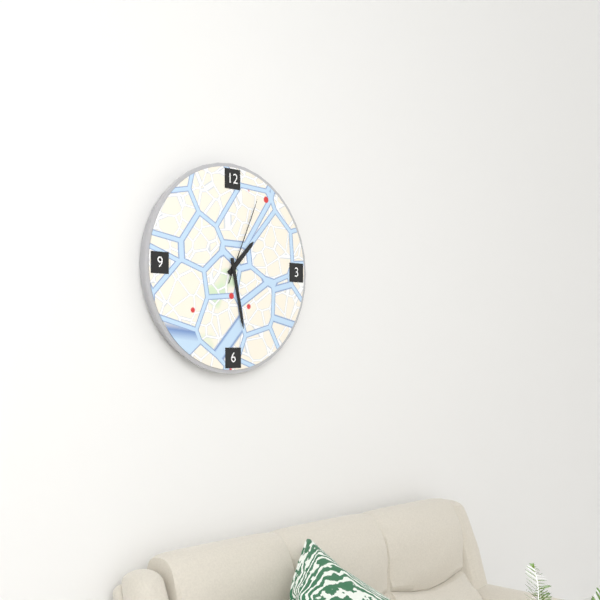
h=1 m=28 s=4
